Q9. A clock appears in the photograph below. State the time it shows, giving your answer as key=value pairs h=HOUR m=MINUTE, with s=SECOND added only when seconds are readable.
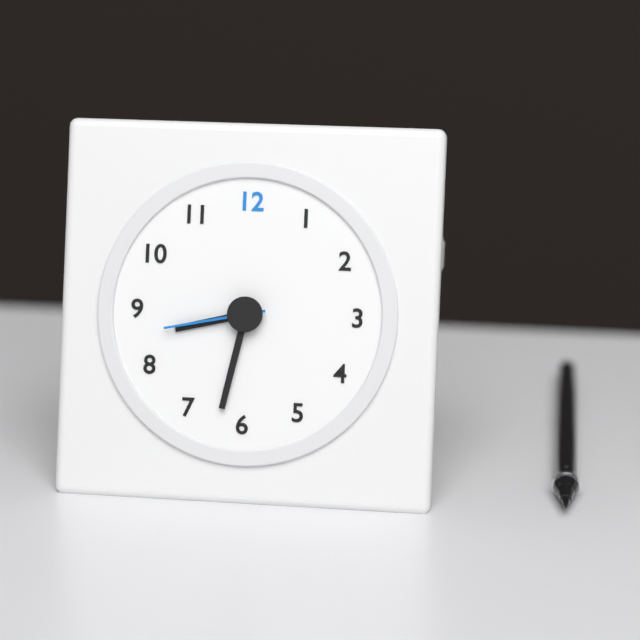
h=8 m=32 s=43
